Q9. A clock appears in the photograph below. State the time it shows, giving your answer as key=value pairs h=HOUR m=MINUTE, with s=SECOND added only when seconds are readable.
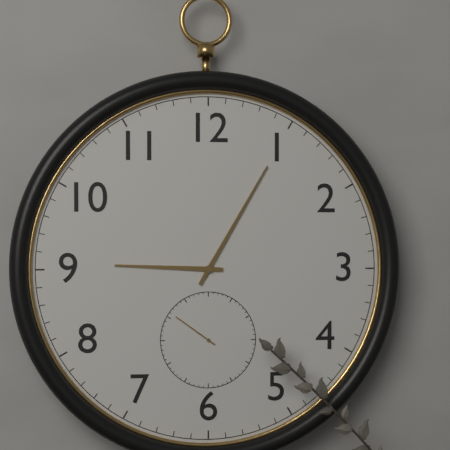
h=9 m=5 s=51
